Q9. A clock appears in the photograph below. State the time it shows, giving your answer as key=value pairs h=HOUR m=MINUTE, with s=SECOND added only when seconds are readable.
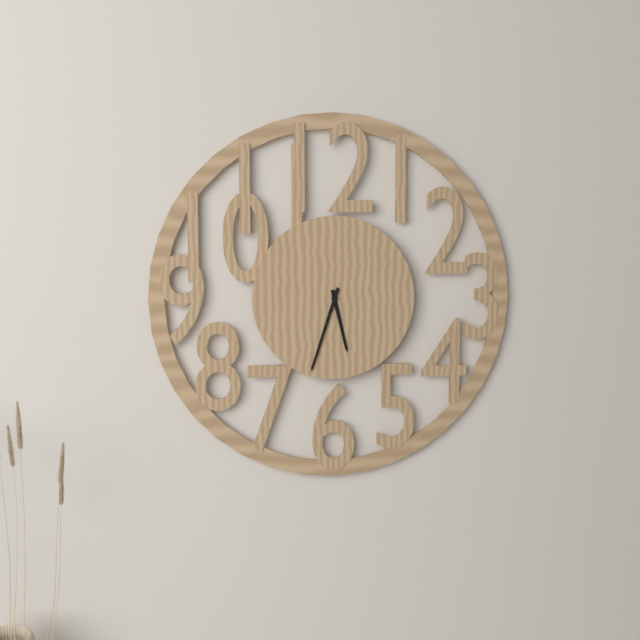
h=5 m=33
